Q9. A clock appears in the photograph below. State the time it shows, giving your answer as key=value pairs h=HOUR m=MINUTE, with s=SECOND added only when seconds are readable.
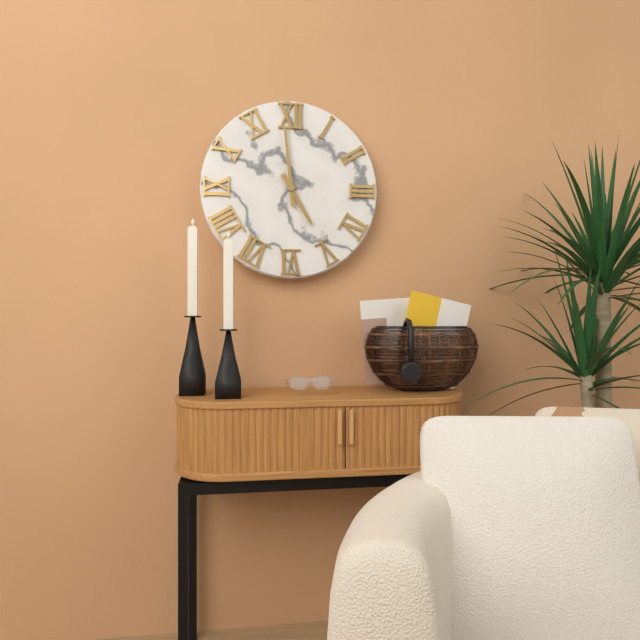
h=4 m=59
